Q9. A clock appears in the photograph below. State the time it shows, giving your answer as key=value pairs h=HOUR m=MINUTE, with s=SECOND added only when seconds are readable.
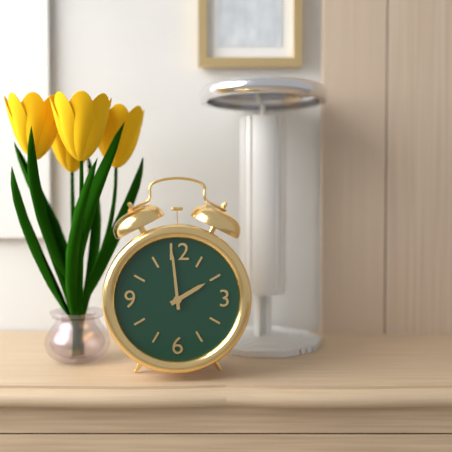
h=1 m=59
